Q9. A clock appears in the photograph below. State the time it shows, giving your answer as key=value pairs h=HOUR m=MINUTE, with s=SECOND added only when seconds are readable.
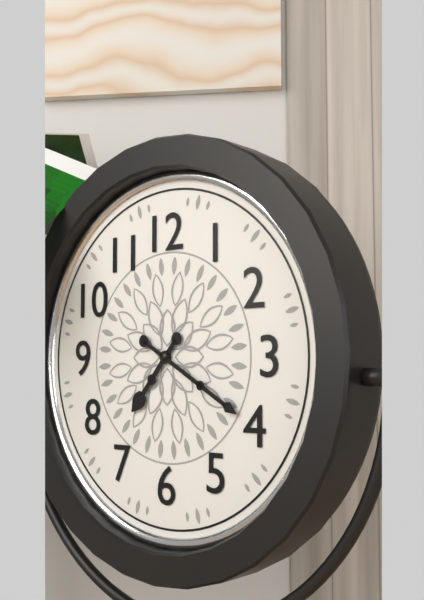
h=7 m=20
